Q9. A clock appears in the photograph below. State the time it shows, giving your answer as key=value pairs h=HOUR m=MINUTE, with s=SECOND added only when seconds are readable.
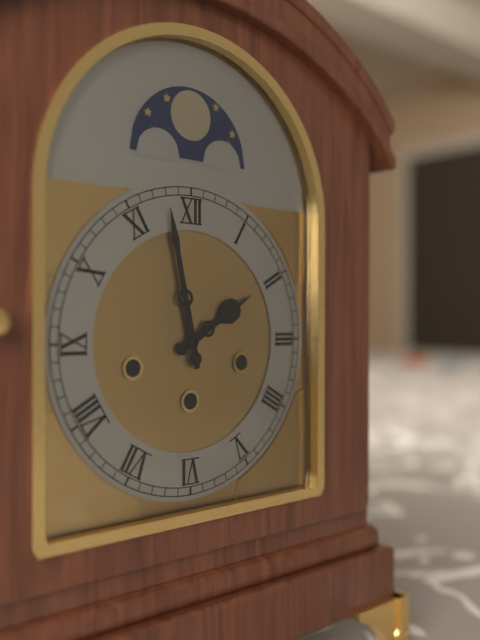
h=1 m=58
